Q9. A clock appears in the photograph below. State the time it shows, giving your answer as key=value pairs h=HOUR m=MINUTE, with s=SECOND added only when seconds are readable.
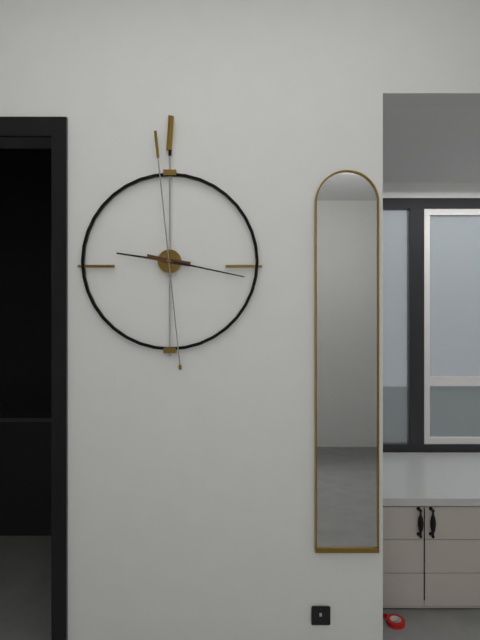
h=9 m=17 s=59
